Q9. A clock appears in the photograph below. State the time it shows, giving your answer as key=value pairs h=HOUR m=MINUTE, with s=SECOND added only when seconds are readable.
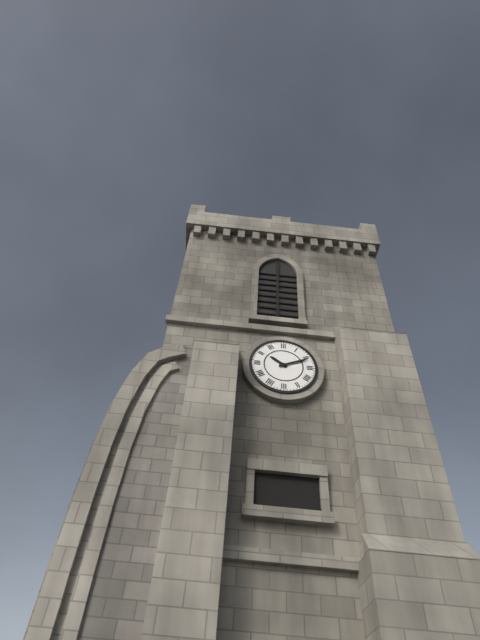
h=10 m=11
